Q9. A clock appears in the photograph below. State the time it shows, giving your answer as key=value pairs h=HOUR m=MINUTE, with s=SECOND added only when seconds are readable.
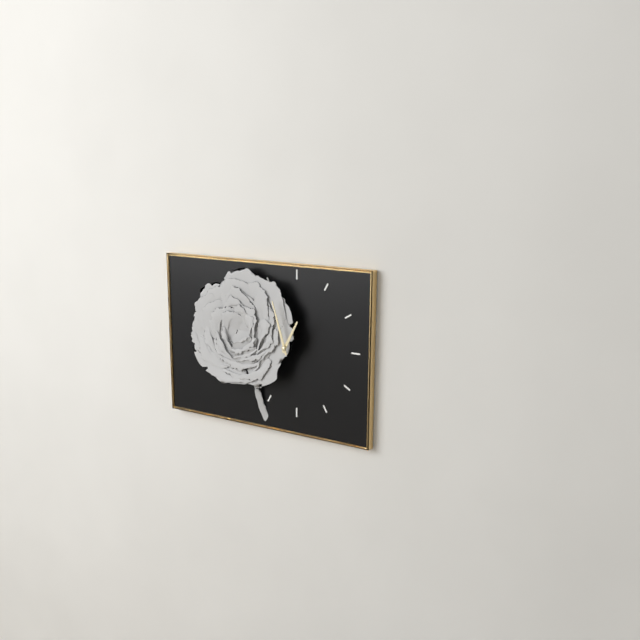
h=12 m=57
